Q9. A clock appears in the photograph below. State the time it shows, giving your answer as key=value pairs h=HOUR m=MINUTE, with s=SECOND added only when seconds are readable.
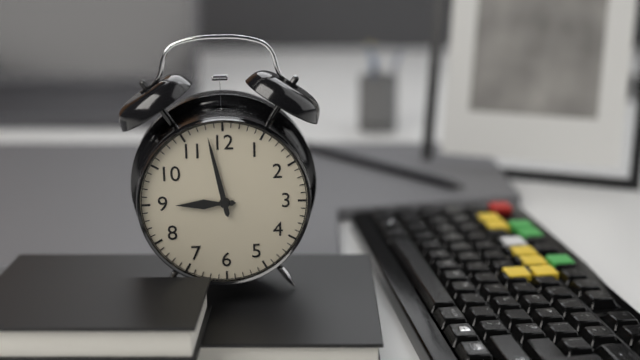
h=8 m=58
